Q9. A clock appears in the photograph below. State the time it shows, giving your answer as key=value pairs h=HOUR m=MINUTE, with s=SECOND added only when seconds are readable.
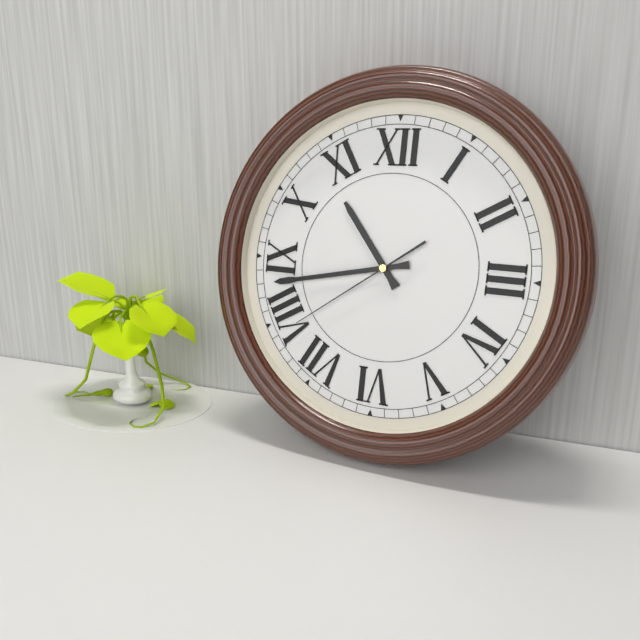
h=10 m=43 s=39
